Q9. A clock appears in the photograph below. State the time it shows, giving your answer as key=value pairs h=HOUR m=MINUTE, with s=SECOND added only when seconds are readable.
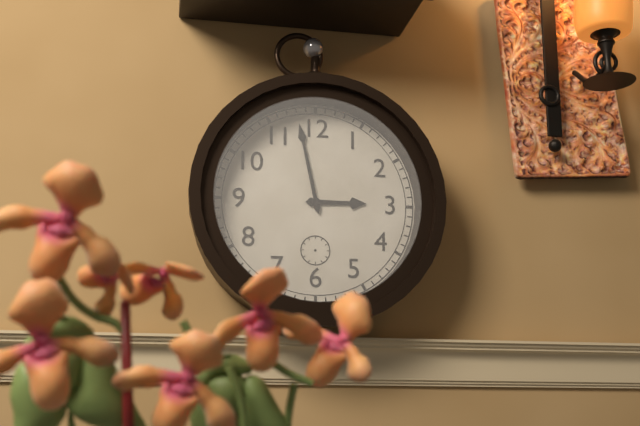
h=2 m=58
